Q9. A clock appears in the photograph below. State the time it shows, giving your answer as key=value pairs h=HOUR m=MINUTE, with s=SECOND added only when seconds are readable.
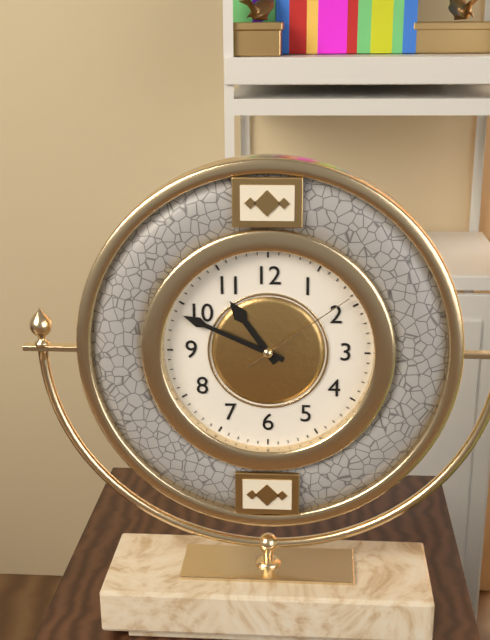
h=10 m=49 s=9
